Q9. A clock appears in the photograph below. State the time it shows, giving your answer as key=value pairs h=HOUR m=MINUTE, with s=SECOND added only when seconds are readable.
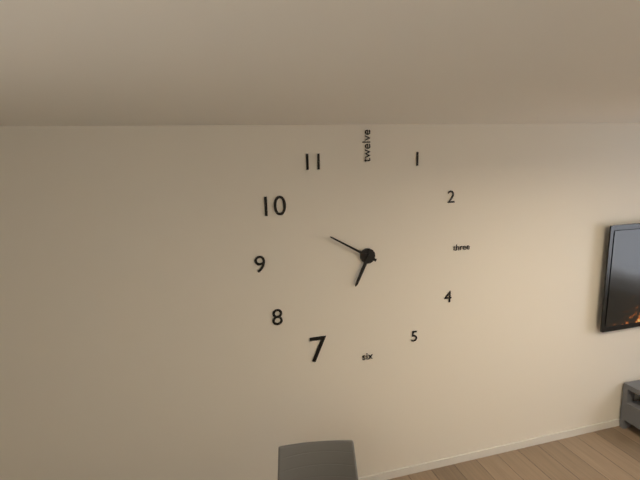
h=6 m=50
